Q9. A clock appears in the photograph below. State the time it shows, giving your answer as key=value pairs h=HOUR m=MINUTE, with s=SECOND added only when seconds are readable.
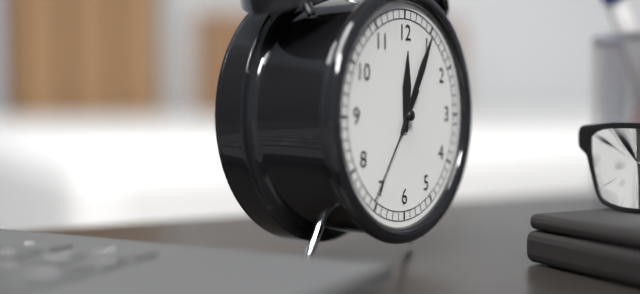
h=12 m=5 s=36
